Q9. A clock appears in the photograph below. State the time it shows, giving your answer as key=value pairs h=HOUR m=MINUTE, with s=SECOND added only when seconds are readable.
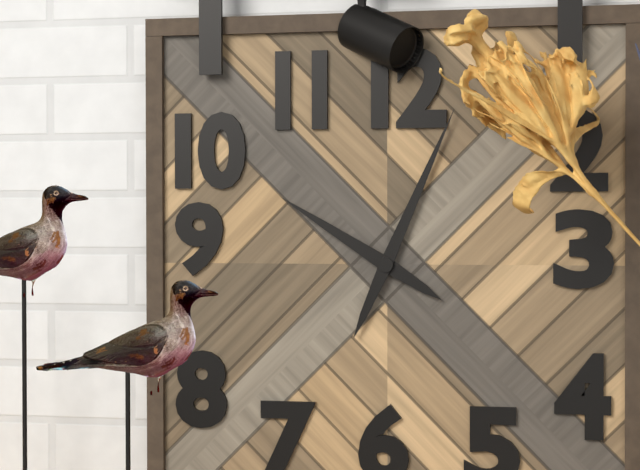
h=10 m=4
